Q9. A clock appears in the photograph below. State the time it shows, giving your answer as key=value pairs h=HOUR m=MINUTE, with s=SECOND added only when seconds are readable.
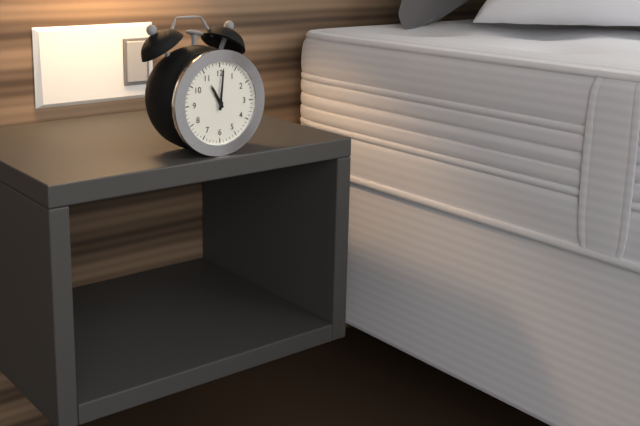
h=11 m=1
